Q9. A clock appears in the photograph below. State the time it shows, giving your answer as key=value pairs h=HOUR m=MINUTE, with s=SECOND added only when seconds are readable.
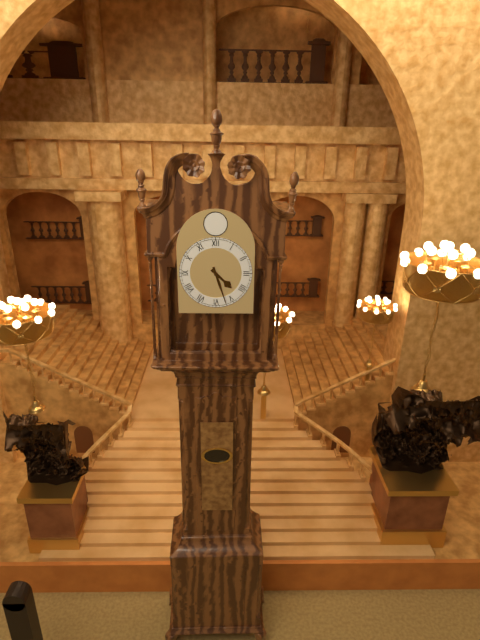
h=4 m=27
